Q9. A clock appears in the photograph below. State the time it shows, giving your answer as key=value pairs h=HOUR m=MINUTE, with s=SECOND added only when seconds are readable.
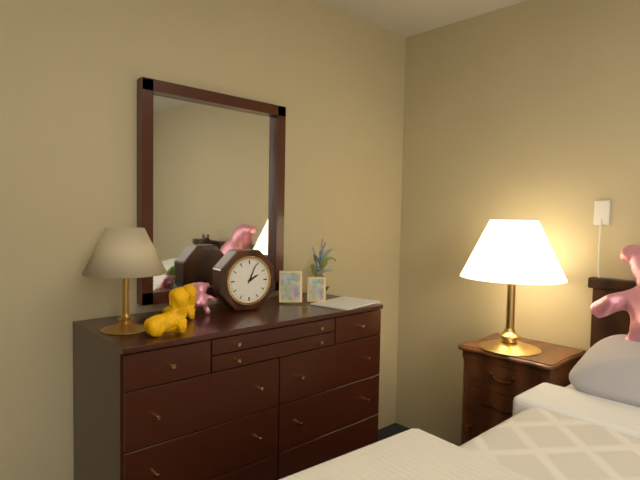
h=2 m=4
